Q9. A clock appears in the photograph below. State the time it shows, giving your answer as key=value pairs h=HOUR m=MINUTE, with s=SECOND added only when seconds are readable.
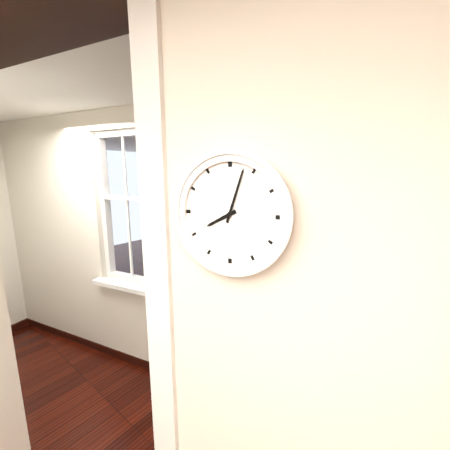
h=8 m=3
